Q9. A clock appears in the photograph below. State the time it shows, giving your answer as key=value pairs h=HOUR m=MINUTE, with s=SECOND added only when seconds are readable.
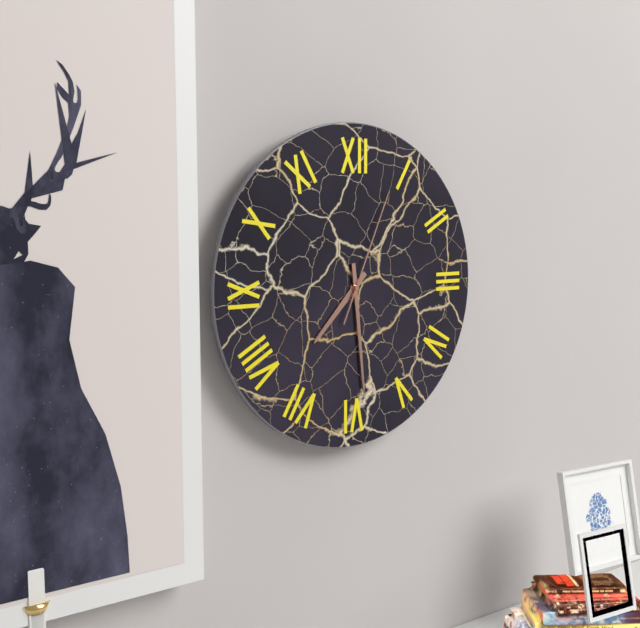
h=7 m=29 s=4
